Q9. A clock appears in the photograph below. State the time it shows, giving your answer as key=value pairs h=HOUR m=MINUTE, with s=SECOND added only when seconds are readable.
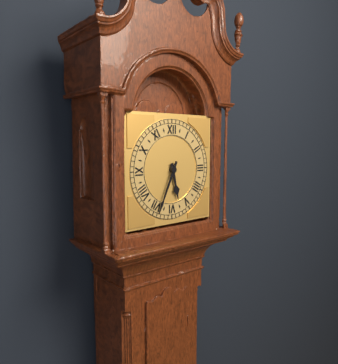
h=5 m=34
